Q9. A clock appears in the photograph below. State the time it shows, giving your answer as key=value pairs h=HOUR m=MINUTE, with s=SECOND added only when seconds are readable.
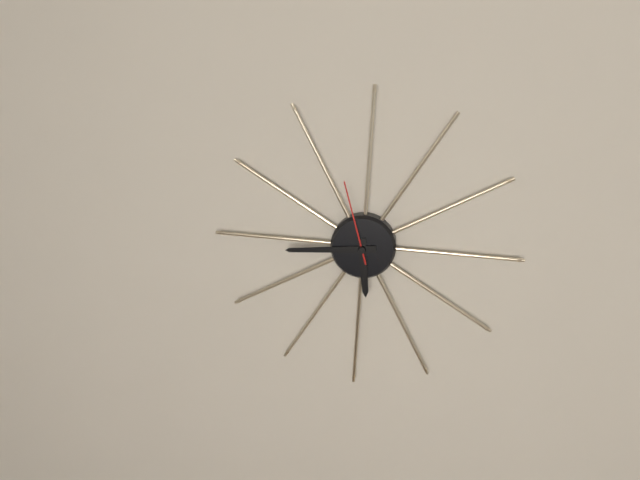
h=5 m=44 s=57
